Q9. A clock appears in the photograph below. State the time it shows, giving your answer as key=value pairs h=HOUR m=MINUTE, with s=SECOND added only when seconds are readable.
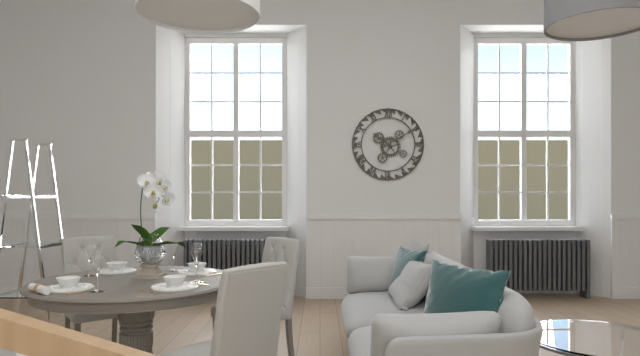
h=10 m=10
